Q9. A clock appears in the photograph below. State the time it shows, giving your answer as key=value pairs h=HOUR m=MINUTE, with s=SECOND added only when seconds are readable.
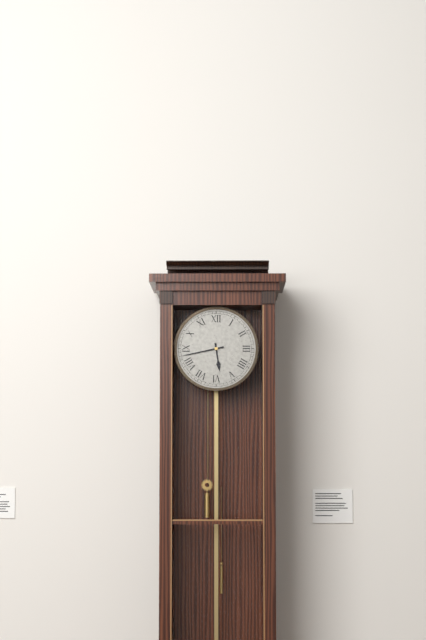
h=5 m=43
